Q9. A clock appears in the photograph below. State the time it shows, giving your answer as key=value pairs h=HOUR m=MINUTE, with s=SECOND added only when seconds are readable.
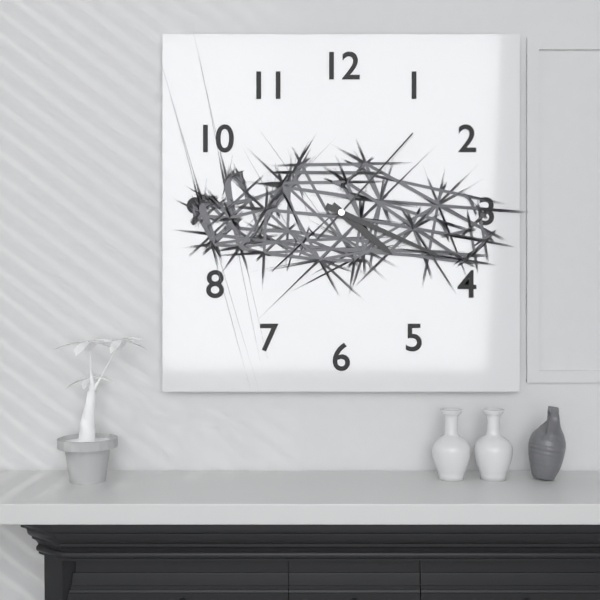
h=4 m=19 s=7
